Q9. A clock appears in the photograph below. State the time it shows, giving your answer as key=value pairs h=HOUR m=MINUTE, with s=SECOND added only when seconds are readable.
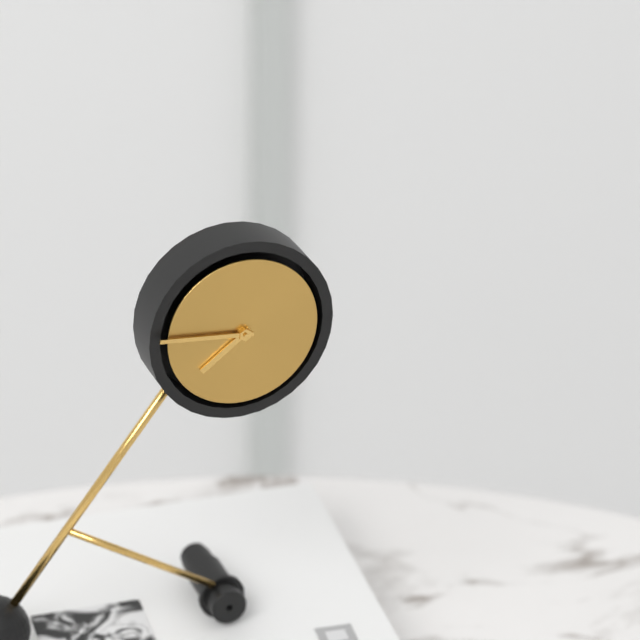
h=7 m=46
